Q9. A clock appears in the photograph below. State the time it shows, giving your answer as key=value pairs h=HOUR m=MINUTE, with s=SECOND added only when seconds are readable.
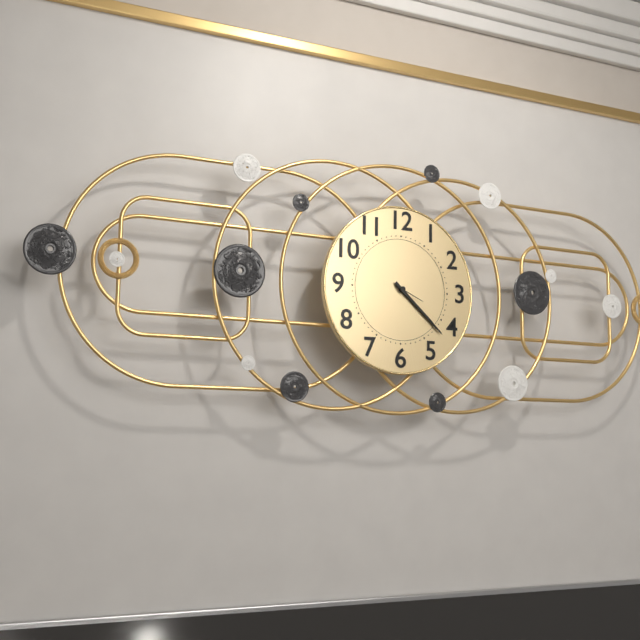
h=4 m=22
